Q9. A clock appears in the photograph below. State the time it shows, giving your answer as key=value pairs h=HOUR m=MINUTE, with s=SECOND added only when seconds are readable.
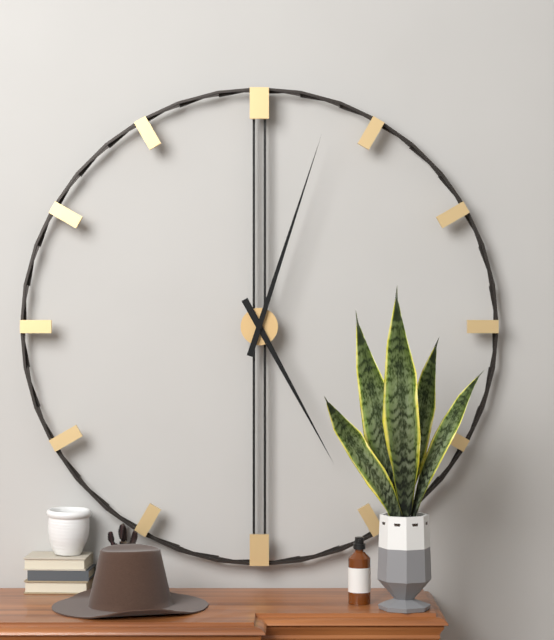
h=5 m=3
